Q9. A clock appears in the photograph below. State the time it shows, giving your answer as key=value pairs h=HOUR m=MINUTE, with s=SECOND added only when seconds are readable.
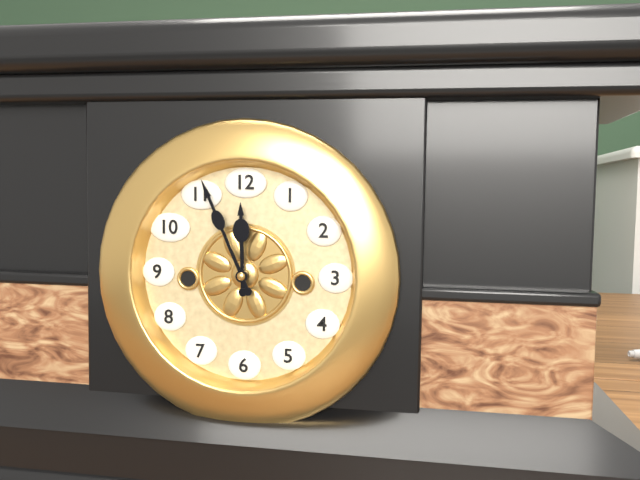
h=11 m=56
